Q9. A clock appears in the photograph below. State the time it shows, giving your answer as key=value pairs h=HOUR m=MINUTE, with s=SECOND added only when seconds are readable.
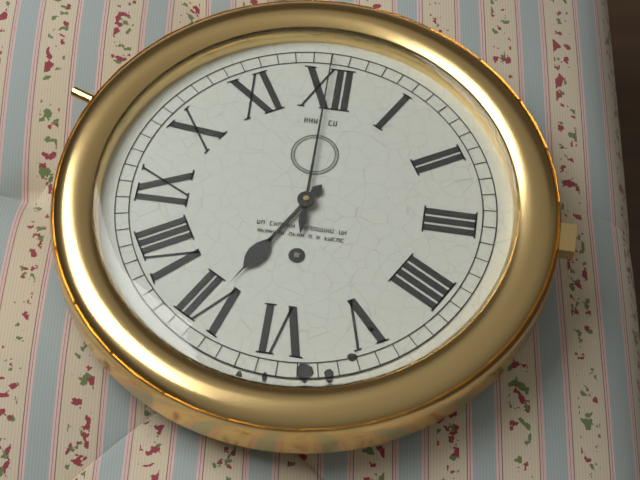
h=7 m=0
